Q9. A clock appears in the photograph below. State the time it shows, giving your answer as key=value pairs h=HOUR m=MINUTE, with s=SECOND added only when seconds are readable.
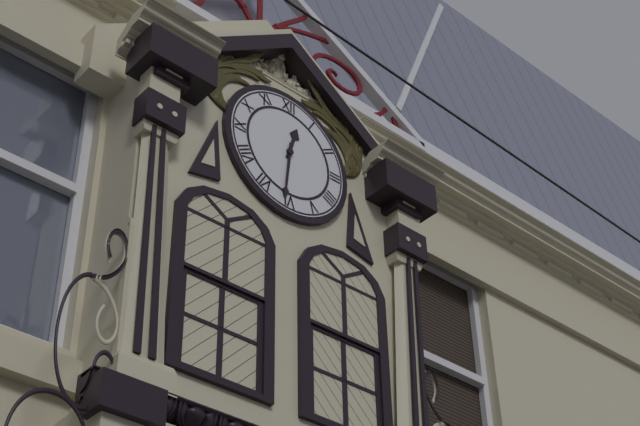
h=12 m=31
